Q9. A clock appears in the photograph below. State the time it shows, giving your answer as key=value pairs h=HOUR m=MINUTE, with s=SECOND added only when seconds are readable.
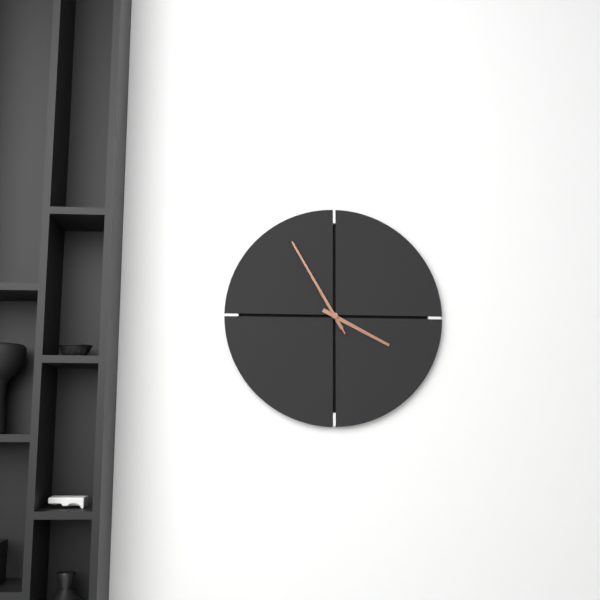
h=3 m=55 s=55
